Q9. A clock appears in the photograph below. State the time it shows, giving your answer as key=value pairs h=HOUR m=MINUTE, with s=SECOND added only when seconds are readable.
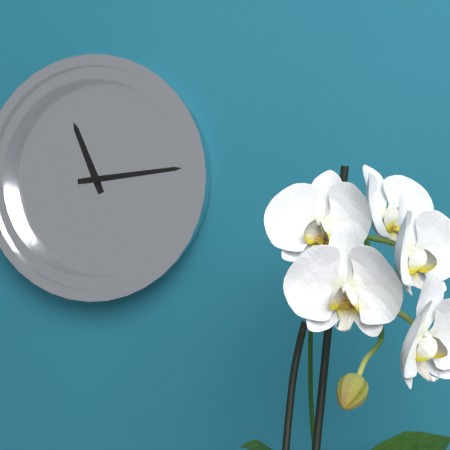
h=11 m=14
